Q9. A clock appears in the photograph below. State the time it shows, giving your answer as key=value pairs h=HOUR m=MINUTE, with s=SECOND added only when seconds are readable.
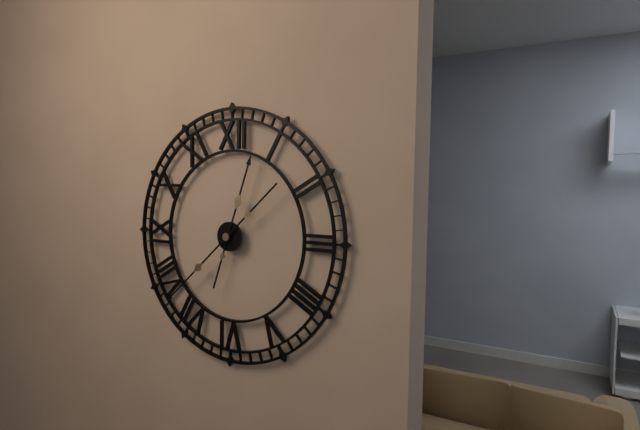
h=12 m=38
